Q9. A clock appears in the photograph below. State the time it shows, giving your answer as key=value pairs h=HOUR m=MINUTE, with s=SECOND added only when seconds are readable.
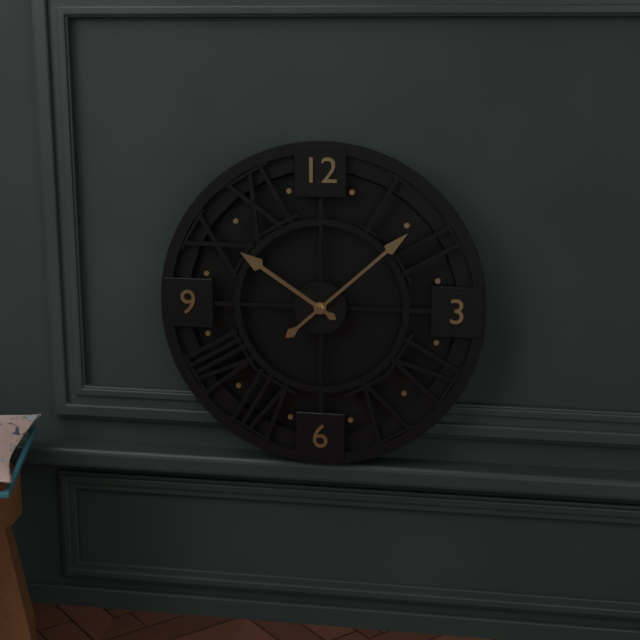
h=10 m=8
